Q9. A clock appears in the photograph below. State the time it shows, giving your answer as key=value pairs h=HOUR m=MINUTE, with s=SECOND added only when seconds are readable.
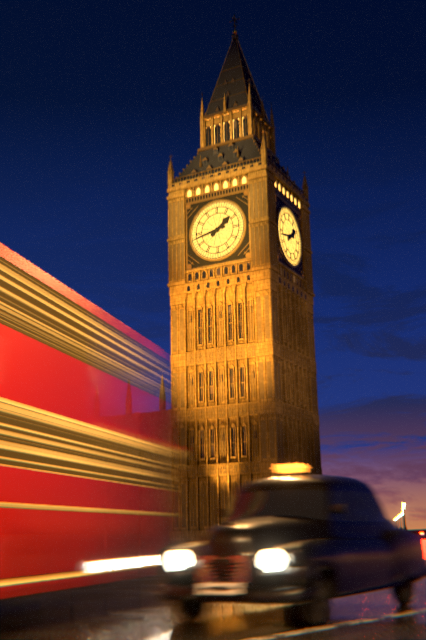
h=1 m=43
